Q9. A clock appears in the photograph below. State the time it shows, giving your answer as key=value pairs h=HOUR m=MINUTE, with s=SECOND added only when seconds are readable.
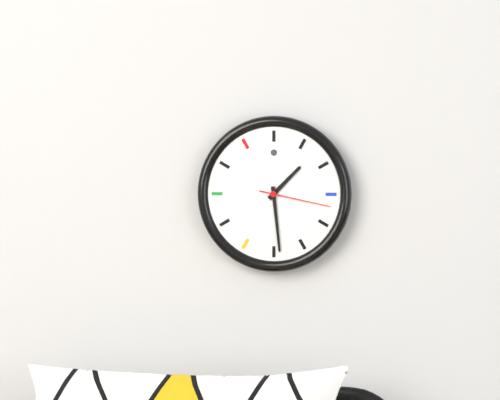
h=1 m=29 s=17
